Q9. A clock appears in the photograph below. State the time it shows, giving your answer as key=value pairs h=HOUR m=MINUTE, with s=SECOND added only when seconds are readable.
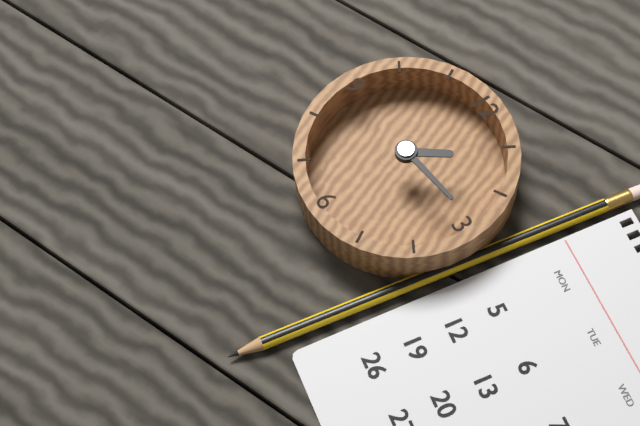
h=1 m=14
